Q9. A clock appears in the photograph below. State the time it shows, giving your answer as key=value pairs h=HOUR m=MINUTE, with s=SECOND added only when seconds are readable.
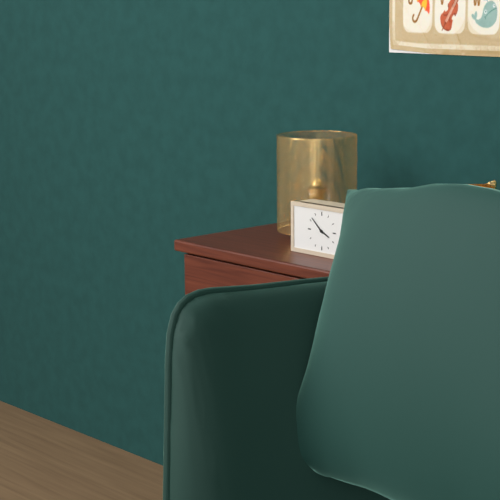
h=3 m=52
